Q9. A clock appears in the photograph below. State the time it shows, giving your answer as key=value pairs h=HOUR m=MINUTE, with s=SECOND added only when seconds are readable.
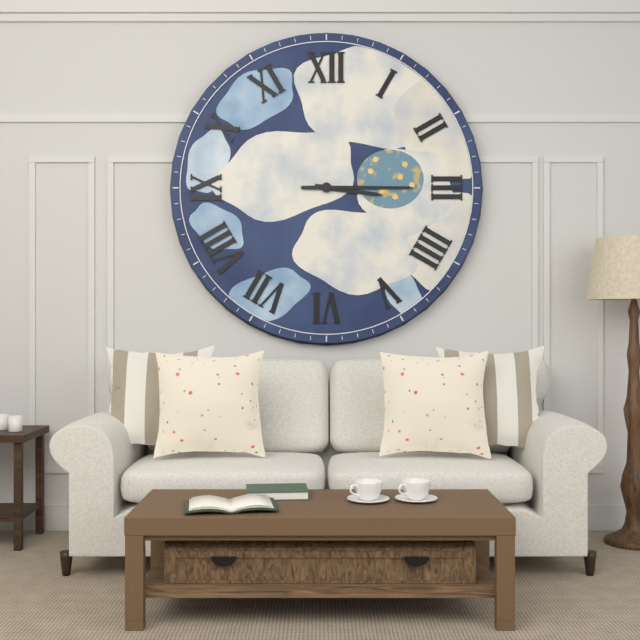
h=3 m=15
